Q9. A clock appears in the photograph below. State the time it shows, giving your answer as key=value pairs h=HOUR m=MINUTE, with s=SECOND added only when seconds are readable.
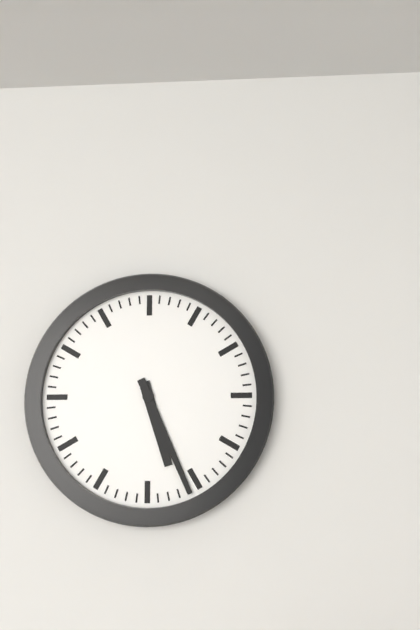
h=5 m=26
